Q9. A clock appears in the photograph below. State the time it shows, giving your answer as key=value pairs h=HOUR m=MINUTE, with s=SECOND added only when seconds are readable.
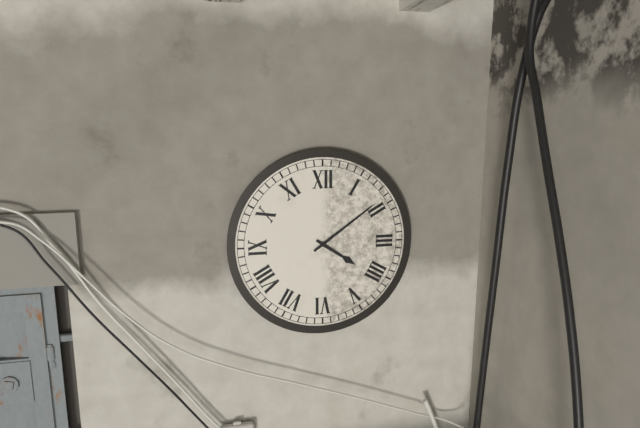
h=4 m=9
